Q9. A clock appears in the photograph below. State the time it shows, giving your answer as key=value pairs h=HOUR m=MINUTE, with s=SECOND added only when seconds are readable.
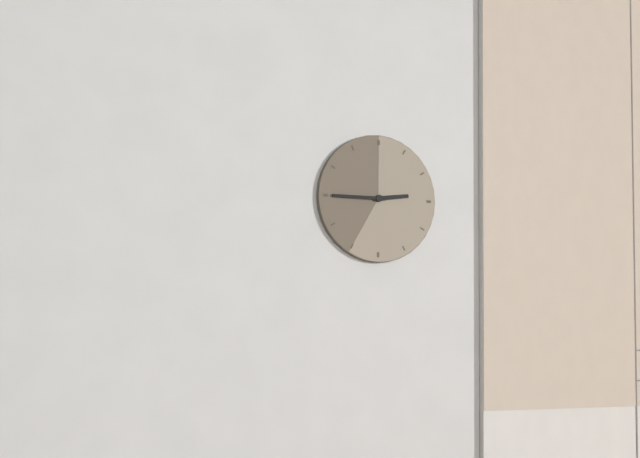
h=2 m=45
